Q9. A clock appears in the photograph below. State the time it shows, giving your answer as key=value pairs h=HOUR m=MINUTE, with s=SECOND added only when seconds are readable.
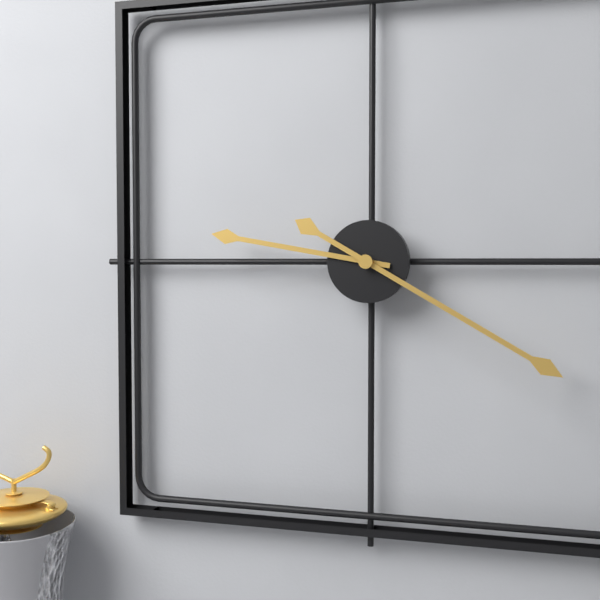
h=9 m=20
